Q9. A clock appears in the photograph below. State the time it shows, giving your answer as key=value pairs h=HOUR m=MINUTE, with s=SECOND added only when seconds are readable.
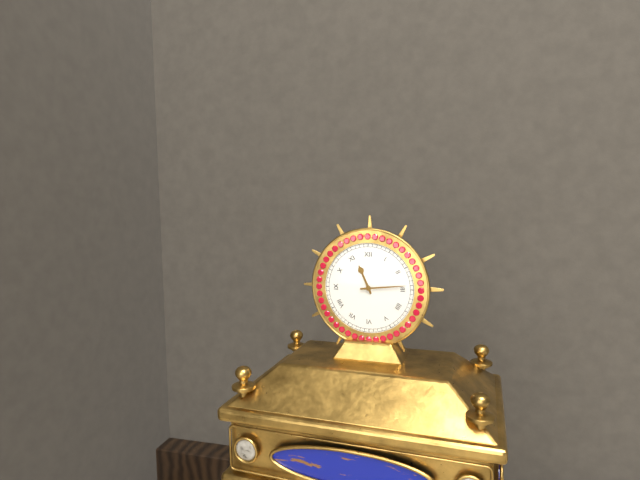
h=11 m=14
